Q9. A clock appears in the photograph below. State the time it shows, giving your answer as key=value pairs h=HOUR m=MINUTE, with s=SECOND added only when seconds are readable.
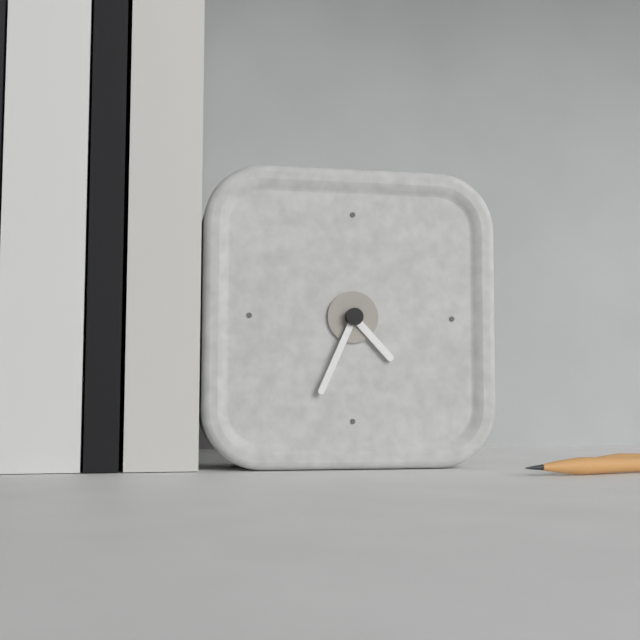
h=4 m=34
